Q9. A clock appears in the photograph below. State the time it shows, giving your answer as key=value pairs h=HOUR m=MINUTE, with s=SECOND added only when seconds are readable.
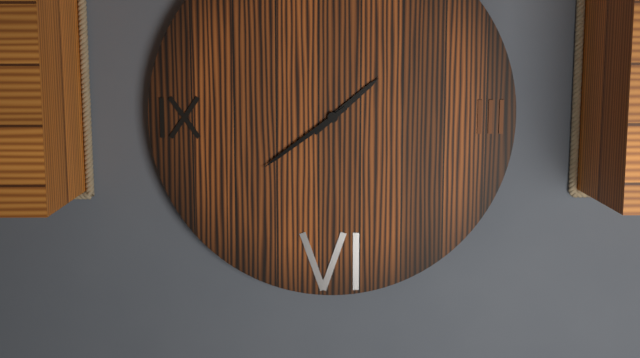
h=1 m=39
